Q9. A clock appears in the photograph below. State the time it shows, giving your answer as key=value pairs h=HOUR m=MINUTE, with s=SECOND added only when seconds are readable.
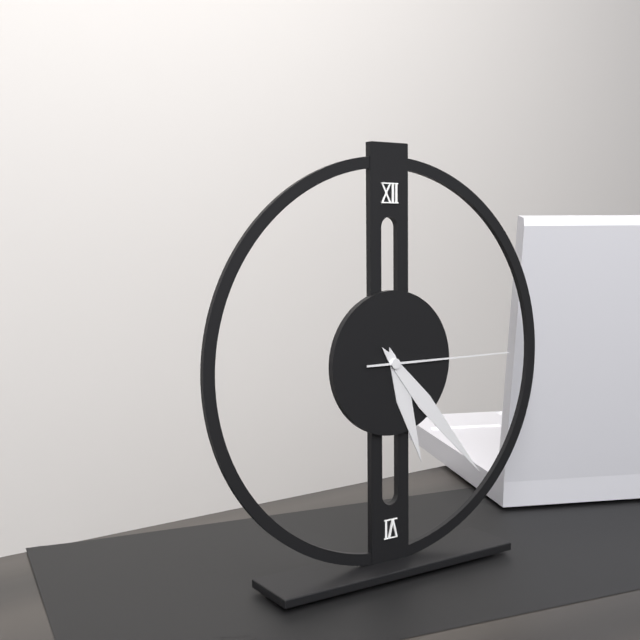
h=5 m=23 s=15
